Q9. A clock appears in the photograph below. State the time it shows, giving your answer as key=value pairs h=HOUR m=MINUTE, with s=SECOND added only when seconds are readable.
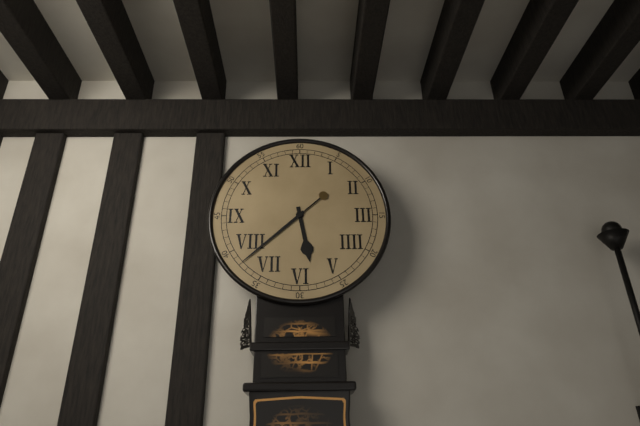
h=5 m=38
